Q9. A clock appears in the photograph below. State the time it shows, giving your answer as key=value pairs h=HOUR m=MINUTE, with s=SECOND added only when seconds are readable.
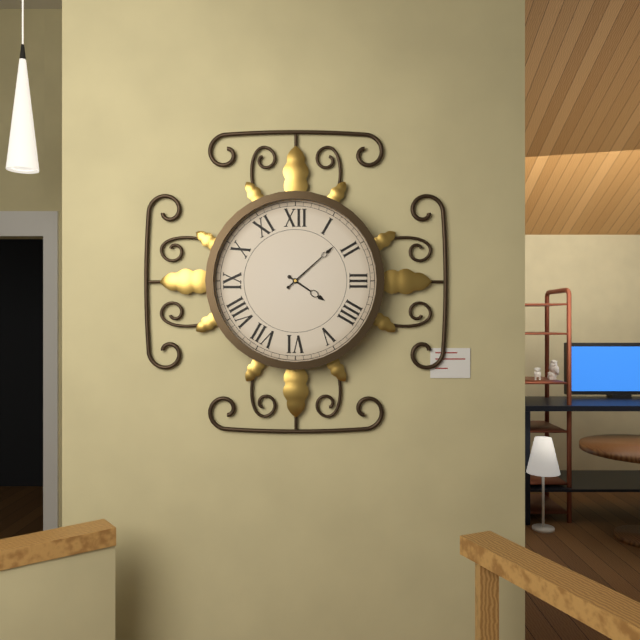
h=4 m=8
